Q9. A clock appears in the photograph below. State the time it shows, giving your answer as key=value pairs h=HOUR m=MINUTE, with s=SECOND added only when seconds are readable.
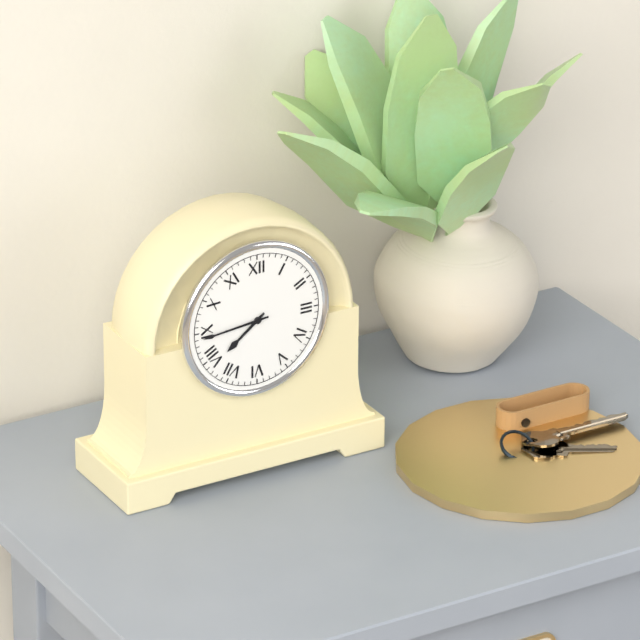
h=7 m=44
